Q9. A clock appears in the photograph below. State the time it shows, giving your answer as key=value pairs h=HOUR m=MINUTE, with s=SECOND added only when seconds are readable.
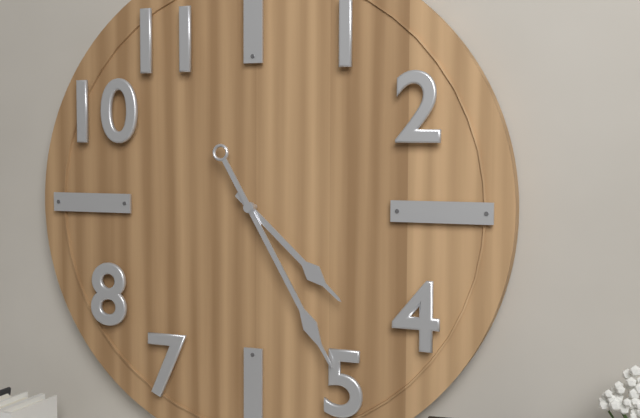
h=4 m=25
